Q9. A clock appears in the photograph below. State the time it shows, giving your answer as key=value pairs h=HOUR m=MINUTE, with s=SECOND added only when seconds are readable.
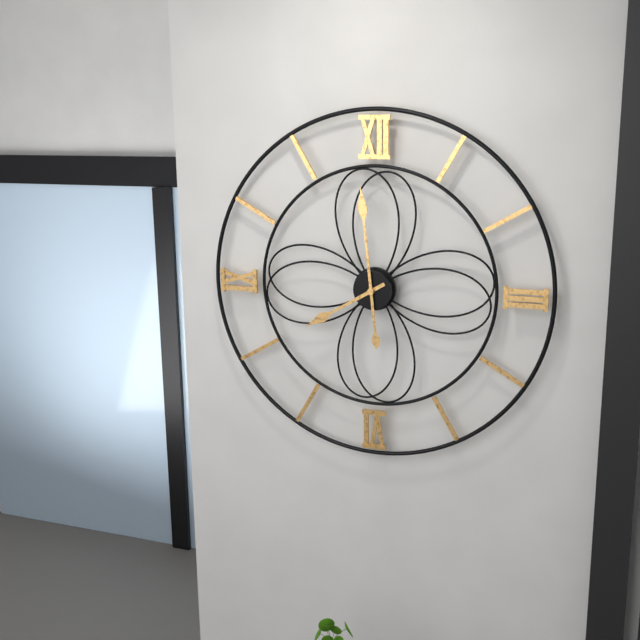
h=7 m=59
